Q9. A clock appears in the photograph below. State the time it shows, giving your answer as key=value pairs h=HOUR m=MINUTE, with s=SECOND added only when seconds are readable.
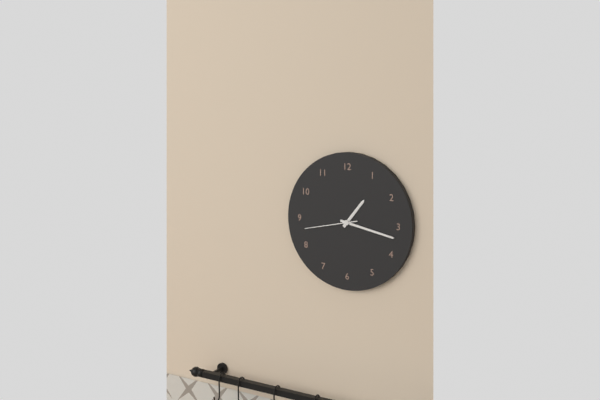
h=1 m=17 s=43
